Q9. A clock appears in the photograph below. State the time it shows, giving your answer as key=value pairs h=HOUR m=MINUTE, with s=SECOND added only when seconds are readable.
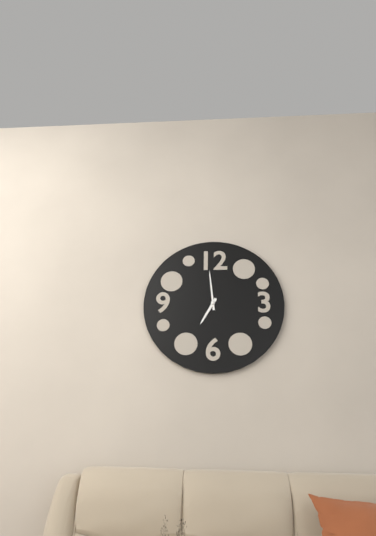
h=6 m=59
